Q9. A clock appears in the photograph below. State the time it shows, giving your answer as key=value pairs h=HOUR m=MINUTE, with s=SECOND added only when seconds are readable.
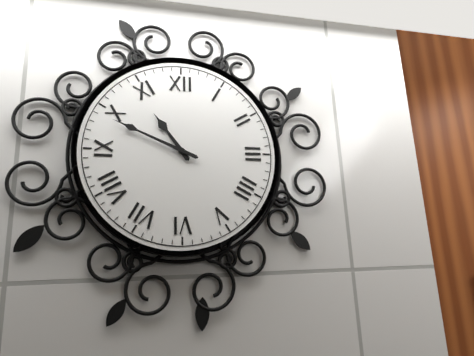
h=10 m=49
